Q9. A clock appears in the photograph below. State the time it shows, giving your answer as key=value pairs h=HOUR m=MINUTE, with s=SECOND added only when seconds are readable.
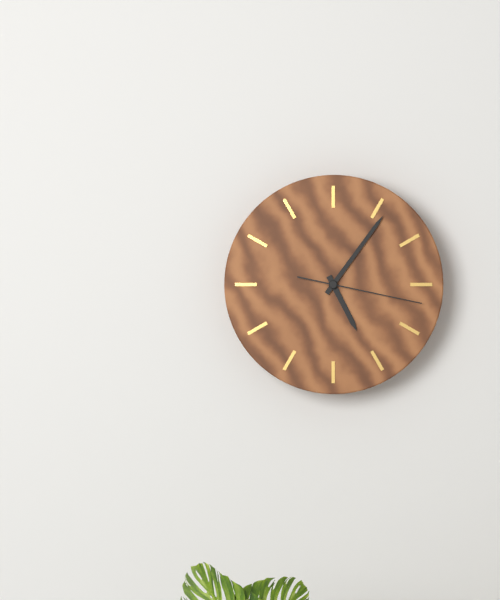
h=5 m=6 s=17
